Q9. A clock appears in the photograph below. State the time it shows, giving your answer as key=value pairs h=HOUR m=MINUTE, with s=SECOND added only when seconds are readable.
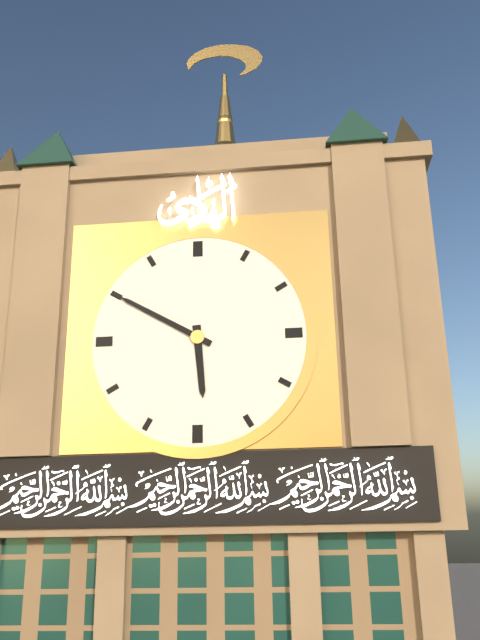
h=5 m=50
